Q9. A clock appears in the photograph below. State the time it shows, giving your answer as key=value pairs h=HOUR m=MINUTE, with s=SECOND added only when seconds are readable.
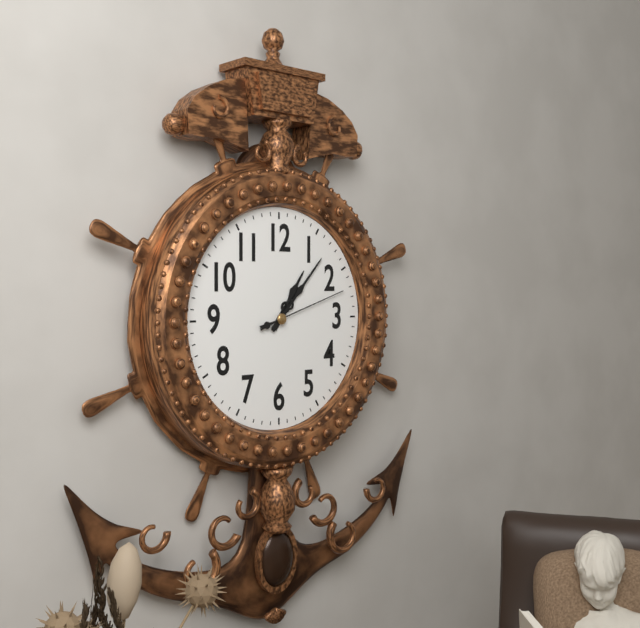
h=1 m=7 s=12
